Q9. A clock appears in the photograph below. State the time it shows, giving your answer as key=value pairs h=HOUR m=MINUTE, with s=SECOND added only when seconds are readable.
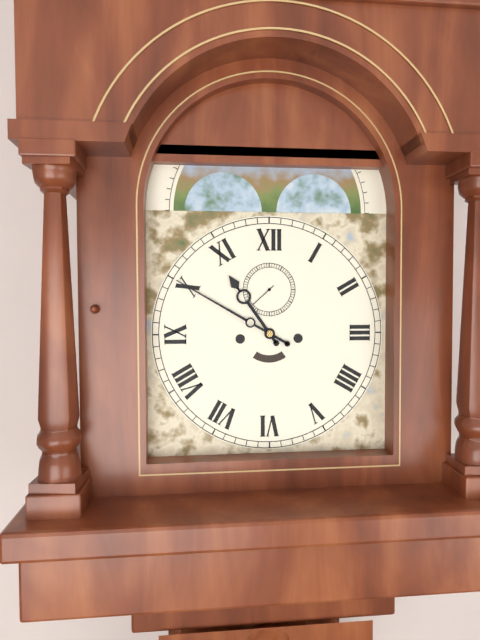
h=10 m=50
